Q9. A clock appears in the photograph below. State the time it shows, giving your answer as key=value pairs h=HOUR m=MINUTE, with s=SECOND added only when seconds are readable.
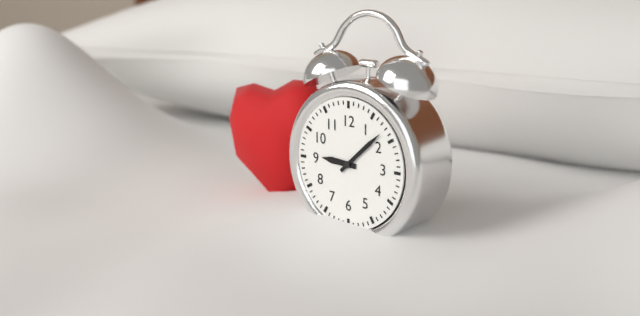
h=9 m=8
